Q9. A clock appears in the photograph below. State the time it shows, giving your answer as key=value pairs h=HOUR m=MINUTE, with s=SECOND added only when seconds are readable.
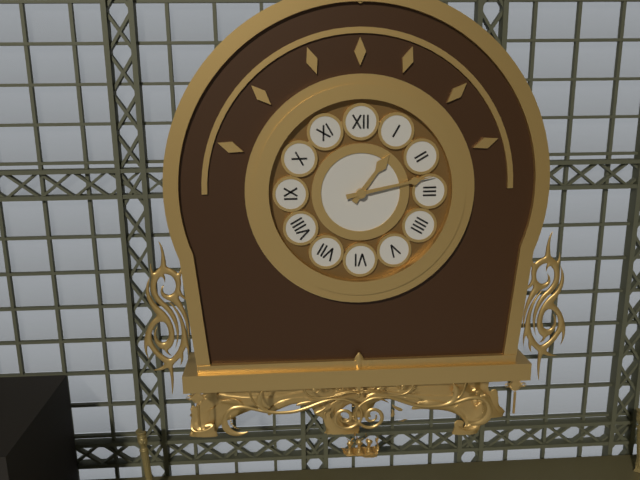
h=1 m=13
